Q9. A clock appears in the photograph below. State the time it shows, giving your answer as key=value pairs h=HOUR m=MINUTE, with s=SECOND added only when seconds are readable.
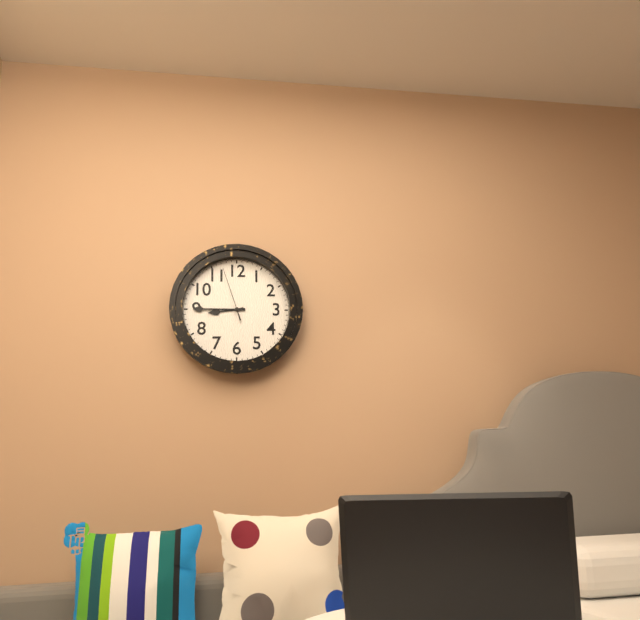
h=8 m=45 s=57
